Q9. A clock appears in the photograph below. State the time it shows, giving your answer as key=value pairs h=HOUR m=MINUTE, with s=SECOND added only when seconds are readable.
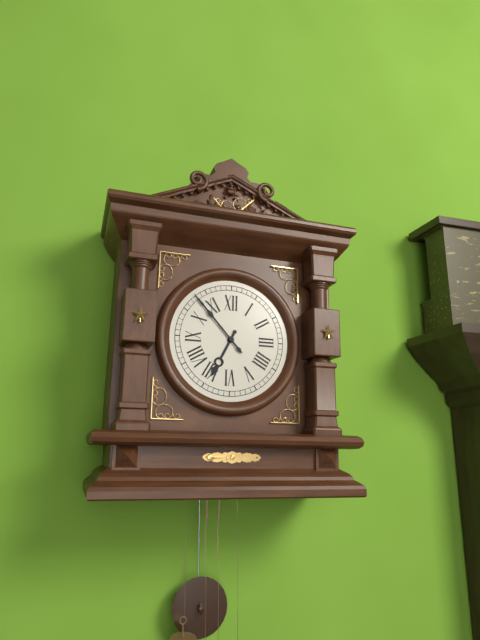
h=6 m=53
